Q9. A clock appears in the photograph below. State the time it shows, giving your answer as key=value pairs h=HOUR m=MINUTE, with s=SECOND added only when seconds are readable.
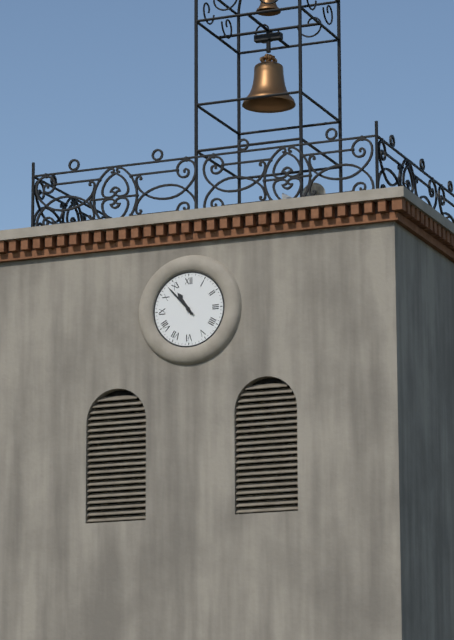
h=10 m=53
